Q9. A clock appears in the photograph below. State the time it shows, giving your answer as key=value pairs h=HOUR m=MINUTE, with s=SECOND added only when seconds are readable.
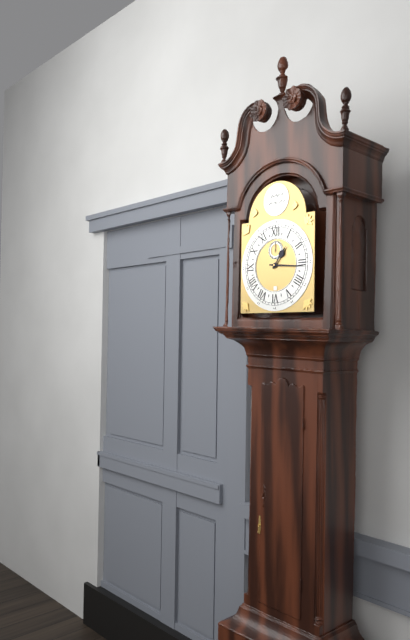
h=1 m=16
